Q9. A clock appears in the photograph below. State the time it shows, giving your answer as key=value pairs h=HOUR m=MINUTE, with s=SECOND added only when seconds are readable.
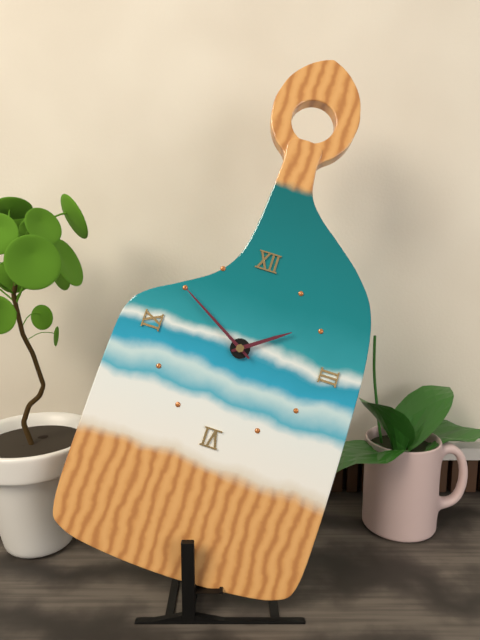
h=1 m=50
